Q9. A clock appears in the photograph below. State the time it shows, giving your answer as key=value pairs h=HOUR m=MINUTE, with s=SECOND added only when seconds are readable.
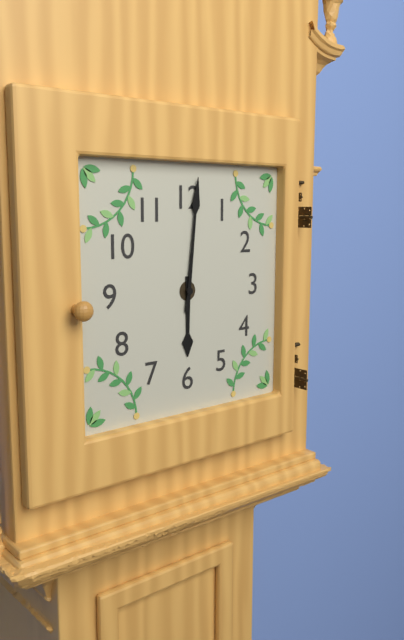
h=6 m=1
